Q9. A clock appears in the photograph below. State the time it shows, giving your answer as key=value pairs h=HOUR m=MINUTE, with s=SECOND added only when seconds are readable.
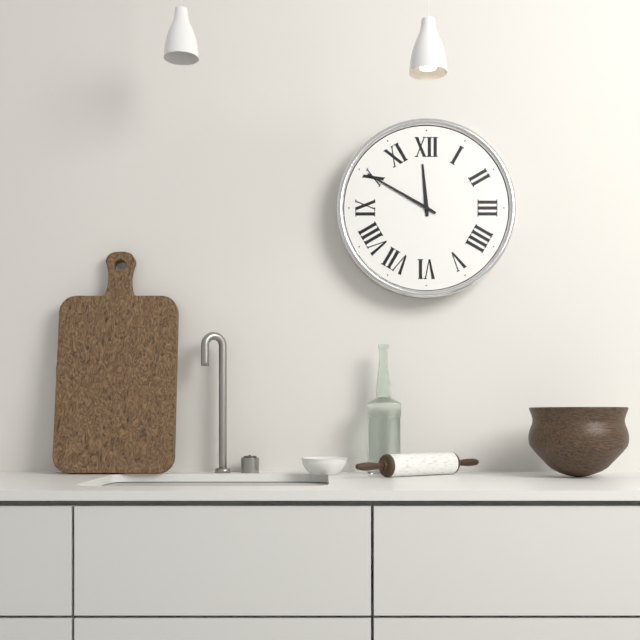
h=11 m=50
